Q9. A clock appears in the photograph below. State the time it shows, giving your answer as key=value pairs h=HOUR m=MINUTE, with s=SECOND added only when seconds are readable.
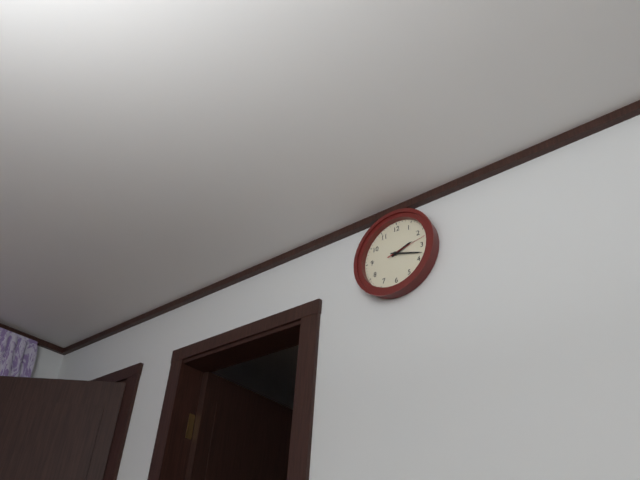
h=2 m=18
